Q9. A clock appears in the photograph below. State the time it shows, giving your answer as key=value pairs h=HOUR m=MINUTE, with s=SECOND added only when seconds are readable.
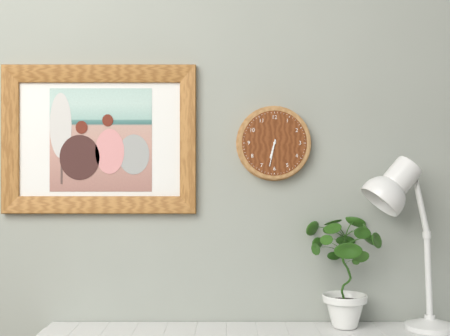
h=6 m=32
